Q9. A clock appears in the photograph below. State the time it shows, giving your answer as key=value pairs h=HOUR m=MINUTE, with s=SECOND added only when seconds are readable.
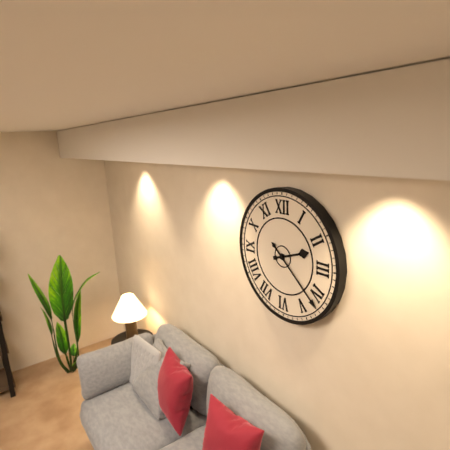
h=2 m=22
